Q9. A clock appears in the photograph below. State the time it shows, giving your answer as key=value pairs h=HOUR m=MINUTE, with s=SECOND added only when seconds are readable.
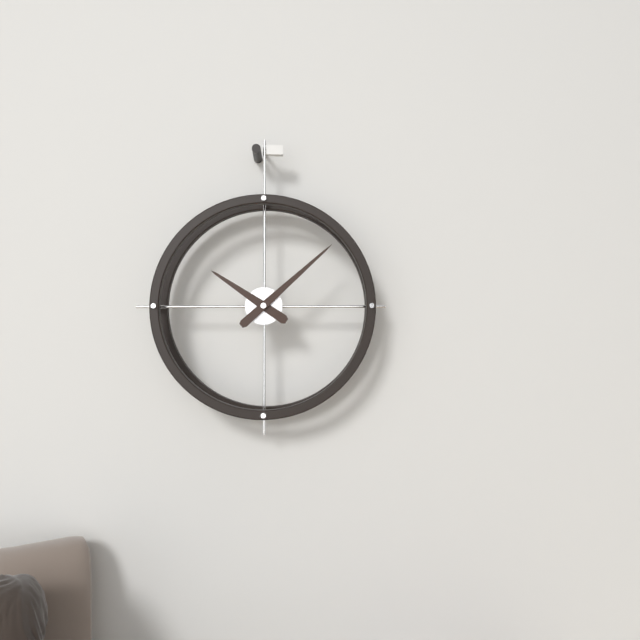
h=10 m=8
